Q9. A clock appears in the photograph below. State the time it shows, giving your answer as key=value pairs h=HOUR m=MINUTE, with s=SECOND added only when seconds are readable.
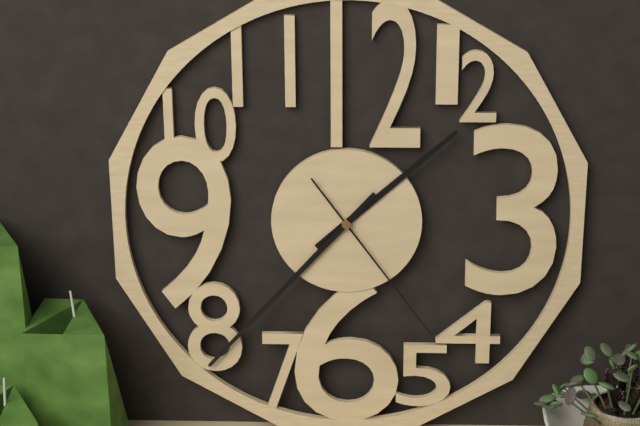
h=1 m=37 s=24
